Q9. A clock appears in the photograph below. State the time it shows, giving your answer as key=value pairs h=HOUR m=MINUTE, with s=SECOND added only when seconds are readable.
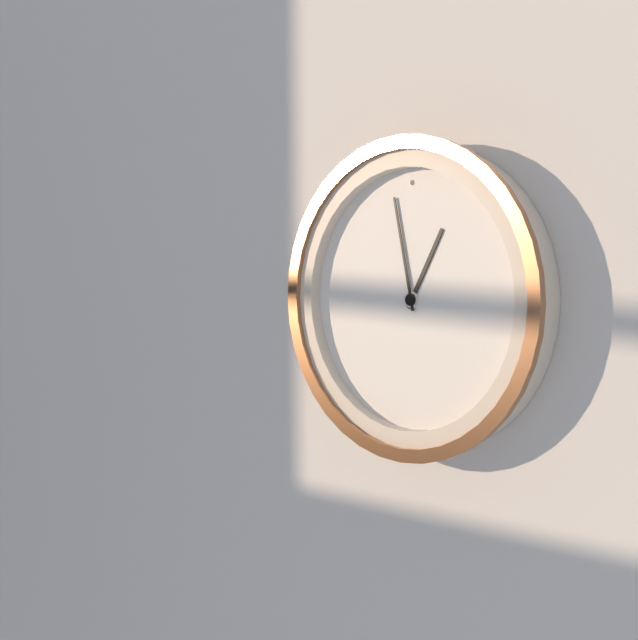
h=12 m=58
